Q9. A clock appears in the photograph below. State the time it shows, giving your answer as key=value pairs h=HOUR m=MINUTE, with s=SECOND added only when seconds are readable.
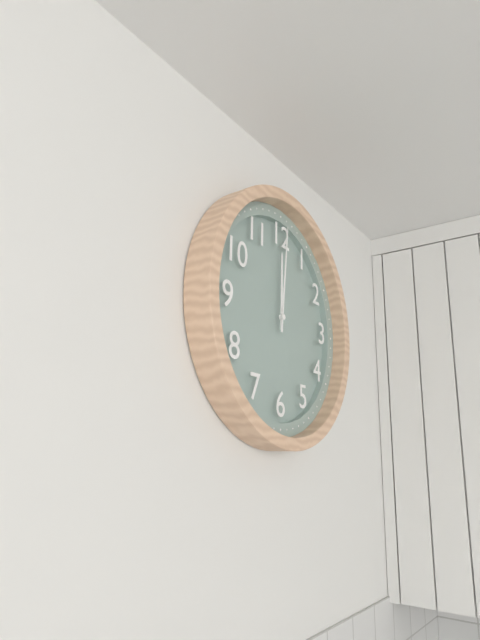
h=12 m=1
